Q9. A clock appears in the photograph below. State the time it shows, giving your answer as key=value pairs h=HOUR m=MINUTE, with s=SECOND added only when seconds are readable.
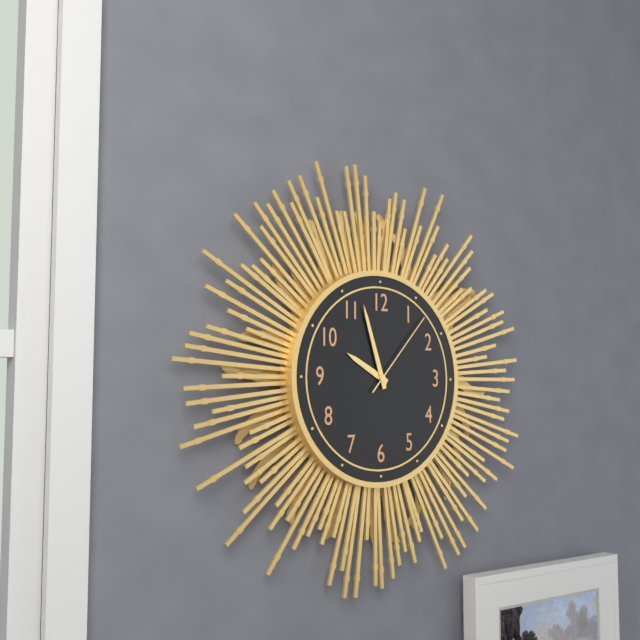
h=9 m=57 s=7
